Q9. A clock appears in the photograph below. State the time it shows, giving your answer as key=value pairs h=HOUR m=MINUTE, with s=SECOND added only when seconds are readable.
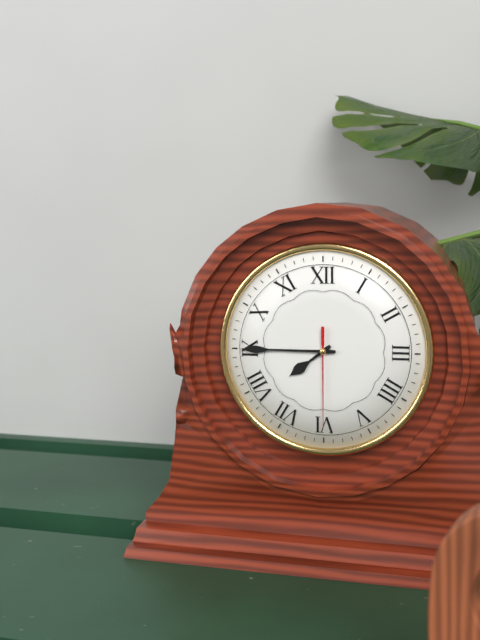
h=7 m=45 s=30
